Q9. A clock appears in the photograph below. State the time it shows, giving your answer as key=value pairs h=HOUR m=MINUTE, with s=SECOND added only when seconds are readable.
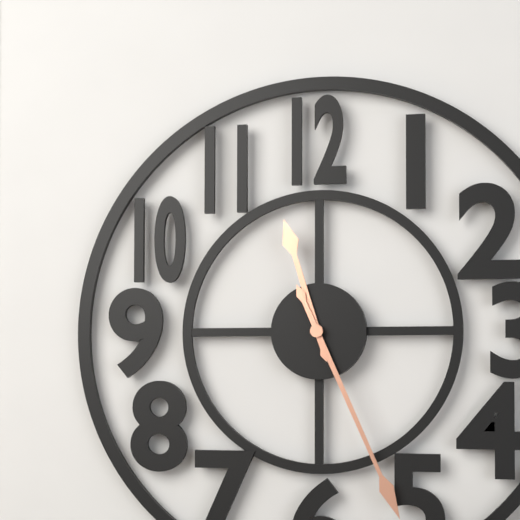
h=11 m=26
